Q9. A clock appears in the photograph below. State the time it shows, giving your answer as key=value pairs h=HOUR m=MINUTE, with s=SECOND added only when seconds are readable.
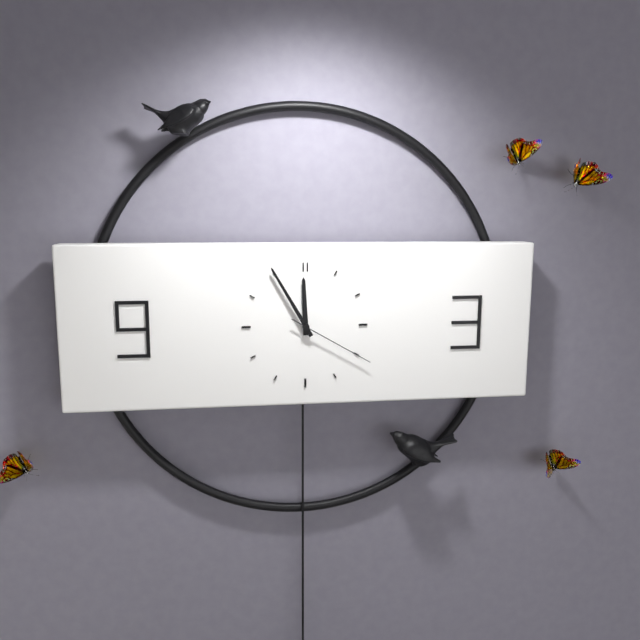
h=11 m=55 s=20
